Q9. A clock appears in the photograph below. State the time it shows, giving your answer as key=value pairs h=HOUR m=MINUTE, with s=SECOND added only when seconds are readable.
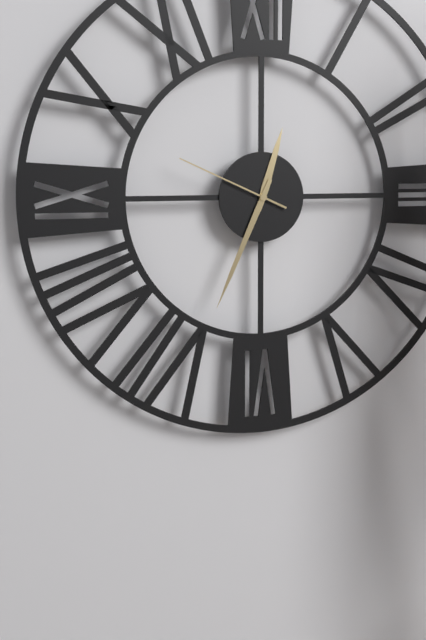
h=12 m=34 s=49
